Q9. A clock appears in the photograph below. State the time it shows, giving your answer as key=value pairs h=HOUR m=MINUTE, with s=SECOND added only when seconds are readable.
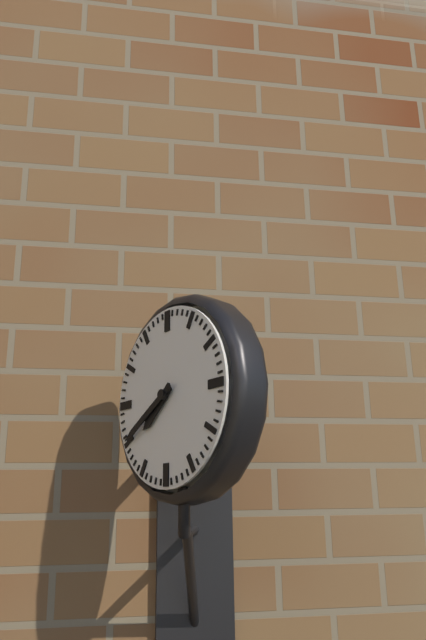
h=7 m=40
